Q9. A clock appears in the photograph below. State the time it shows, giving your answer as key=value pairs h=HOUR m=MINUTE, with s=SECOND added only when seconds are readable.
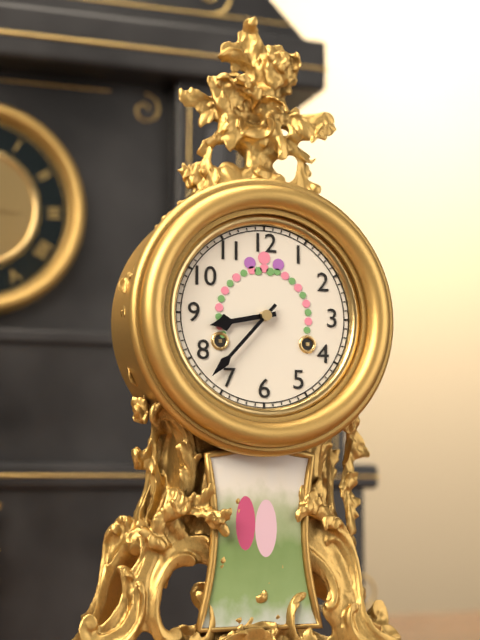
h=8 m=37
